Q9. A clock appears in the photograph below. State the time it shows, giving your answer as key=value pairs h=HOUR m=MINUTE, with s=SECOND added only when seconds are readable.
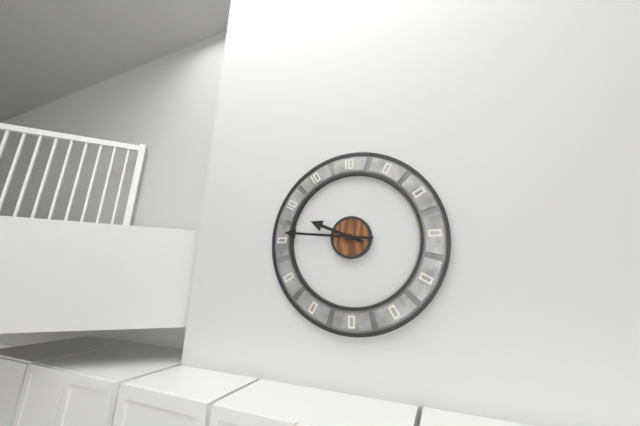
h=9 m=46
